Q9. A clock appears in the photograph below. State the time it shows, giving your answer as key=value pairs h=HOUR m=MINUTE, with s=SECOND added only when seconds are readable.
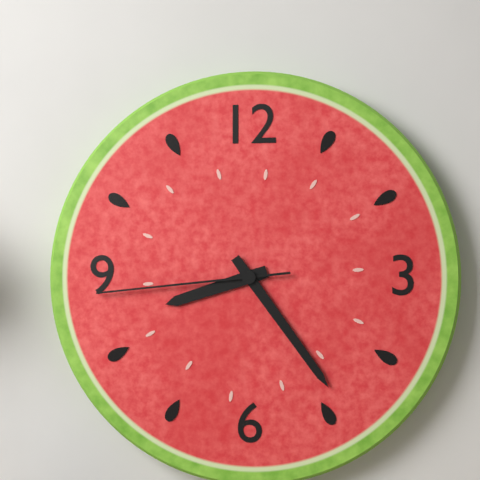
h=8 m=24 s=44
